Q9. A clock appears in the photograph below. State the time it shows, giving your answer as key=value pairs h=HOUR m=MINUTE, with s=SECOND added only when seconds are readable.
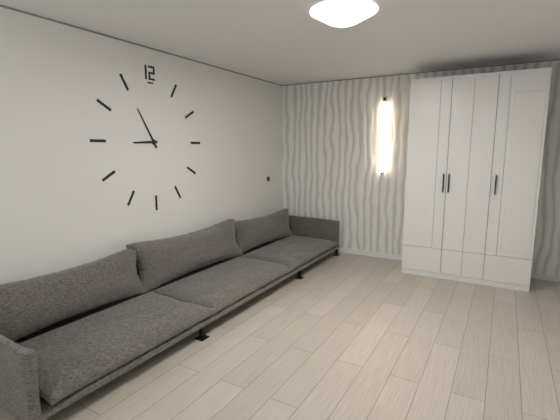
h=8 m=55
